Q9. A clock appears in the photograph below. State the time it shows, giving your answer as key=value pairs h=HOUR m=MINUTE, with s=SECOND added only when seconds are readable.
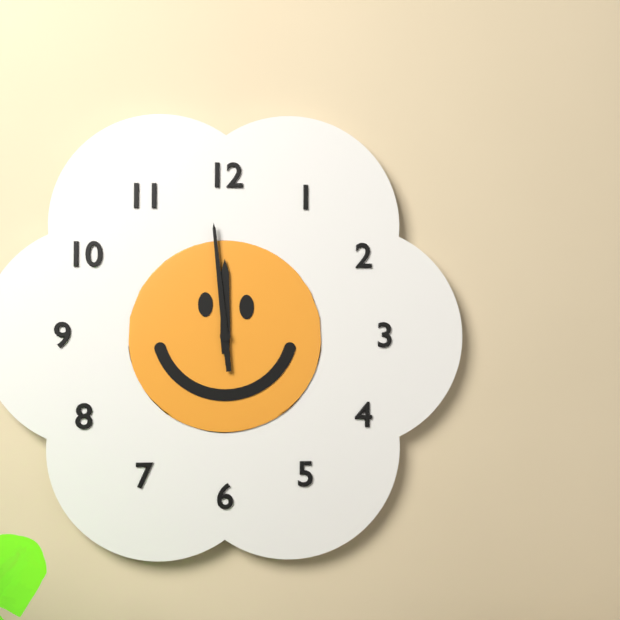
h=11 m=59
